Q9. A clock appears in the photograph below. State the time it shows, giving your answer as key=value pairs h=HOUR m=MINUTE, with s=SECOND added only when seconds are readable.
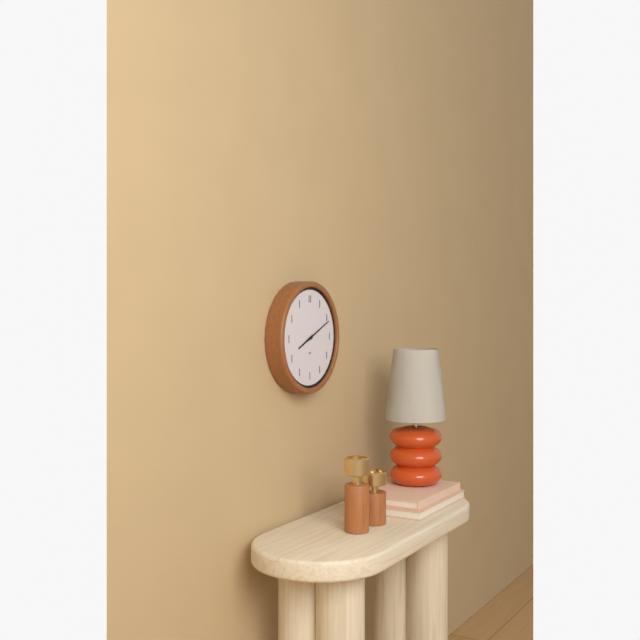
h=8 m=11
